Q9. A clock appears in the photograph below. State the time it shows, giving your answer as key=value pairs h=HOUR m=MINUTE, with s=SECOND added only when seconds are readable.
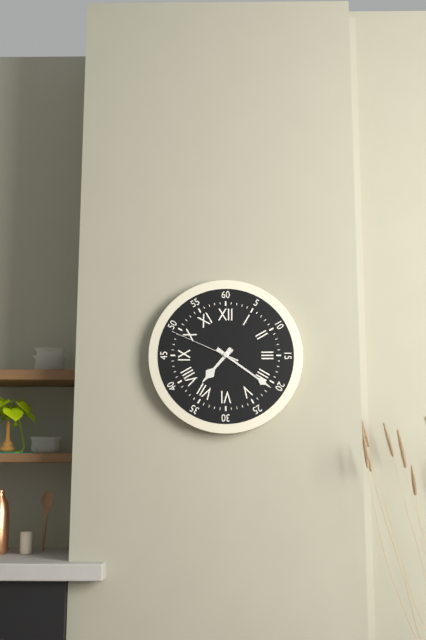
h=7 m=21 s=49
